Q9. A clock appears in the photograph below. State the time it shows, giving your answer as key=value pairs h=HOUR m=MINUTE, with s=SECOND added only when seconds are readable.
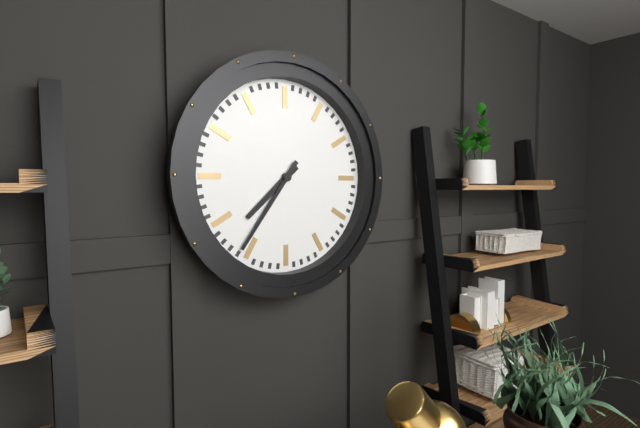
h=7 m=36
